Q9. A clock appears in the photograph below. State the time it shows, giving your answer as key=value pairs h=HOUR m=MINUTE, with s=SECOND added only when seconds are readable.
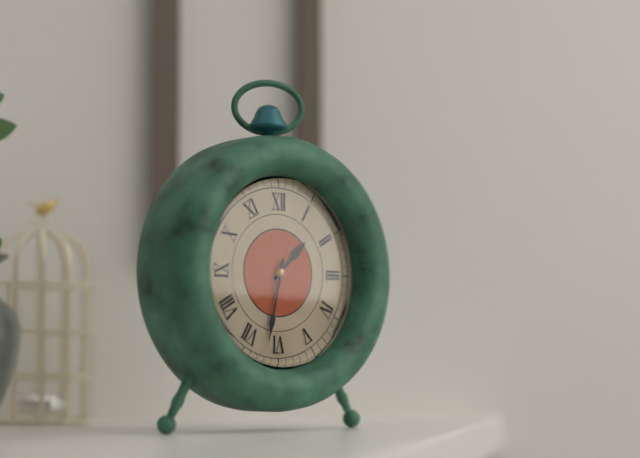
h=1 m=32
